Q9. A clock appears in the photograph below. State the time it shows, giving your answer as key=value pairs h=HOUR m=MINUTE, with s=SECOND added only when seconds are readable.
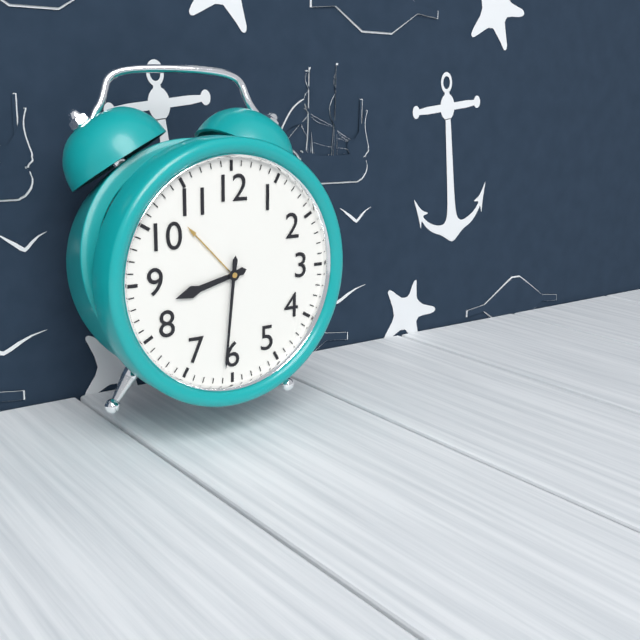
h=8 m=31
